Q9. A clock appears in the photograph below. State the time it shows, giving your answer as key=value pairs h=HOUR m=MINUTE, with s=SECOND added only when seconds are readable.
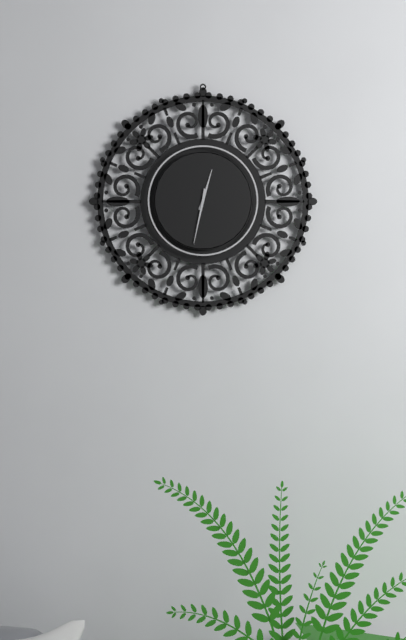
h=12 m=32
